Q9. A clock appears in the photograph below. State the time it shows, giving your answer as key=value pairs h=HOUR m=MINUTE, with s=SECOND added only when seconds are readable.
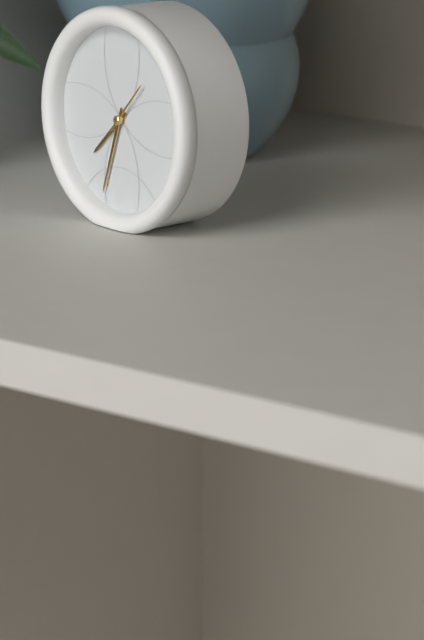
h=7 m=33 s=7
